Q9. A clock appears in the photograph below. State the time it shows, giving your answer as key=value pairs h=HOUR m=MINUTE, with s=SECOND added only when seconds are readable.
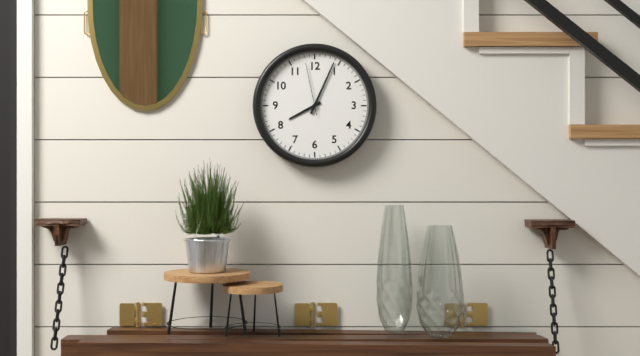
h=8 m=4 s=58
